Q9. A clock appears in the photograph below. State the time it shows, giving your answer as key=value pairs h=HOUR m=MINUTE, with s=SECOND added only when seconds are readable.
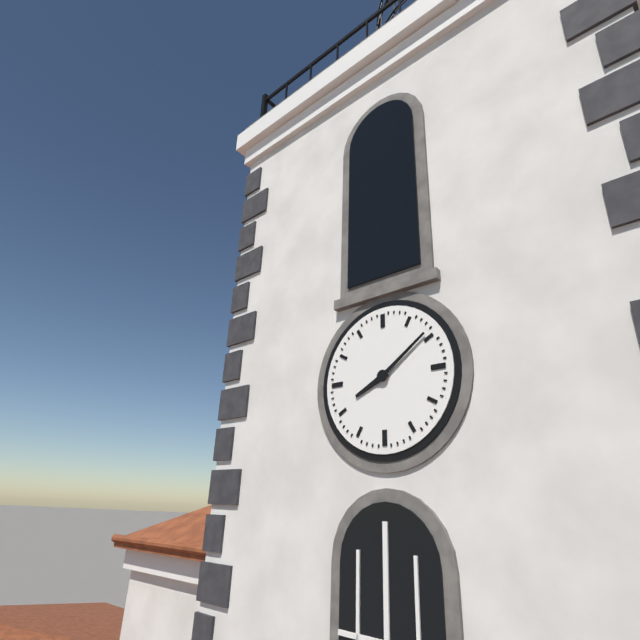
h=8 m=9
